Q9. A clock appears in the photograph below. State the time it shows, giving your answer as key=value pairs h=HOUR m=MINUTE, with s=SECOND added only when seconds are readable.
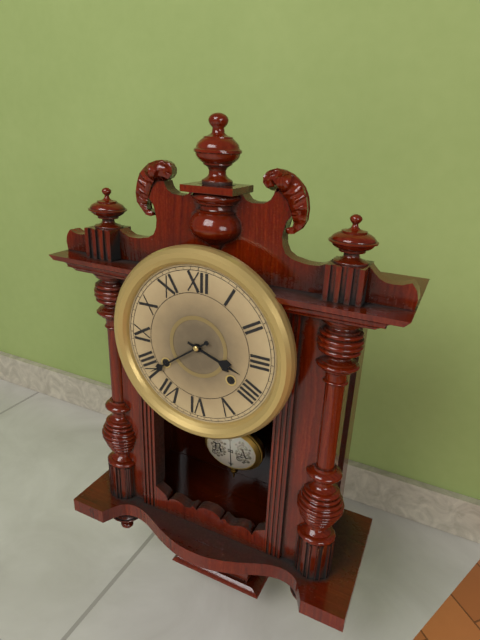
h=3 m=39
